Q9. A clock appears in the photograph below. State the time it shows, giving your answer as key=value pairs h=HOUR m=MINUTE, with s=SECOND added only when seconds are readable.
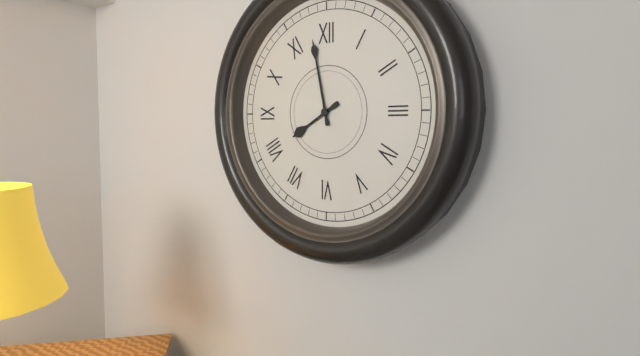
h=7 m=58
